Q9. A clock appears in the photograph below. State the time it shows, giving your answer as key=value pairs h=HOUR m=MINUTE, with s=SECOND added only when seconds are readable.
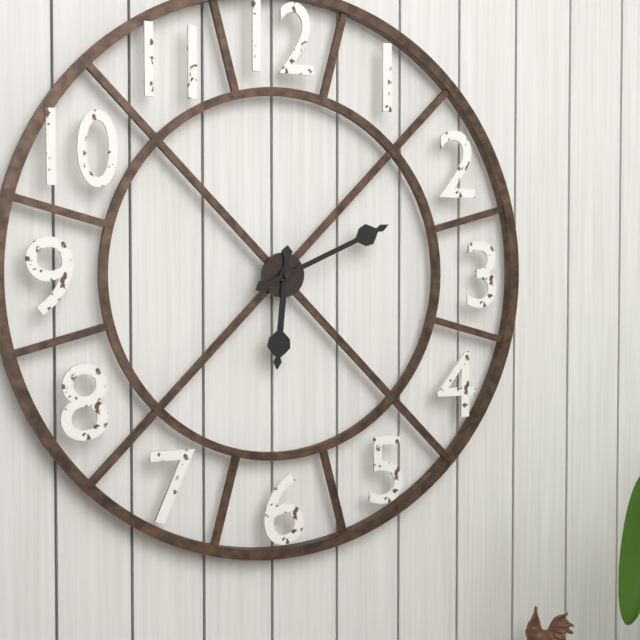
h=6 m=11
